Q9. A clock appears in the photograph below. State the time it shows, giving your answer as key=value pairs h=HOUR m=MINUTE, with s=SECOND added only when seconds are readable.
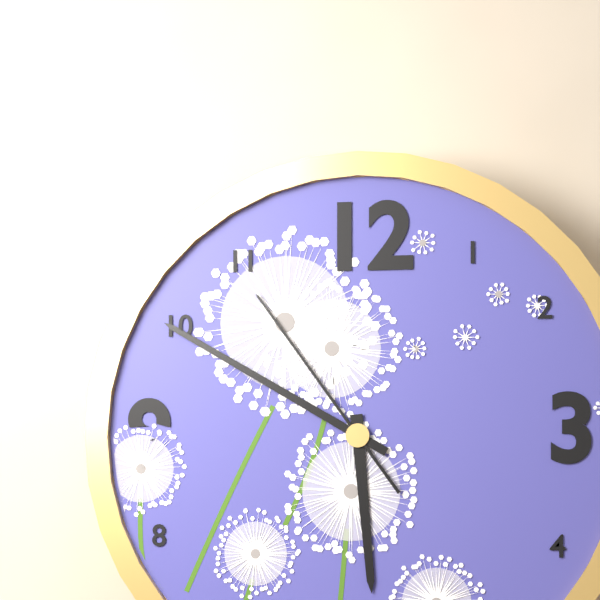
h=5 m=50 s=54
